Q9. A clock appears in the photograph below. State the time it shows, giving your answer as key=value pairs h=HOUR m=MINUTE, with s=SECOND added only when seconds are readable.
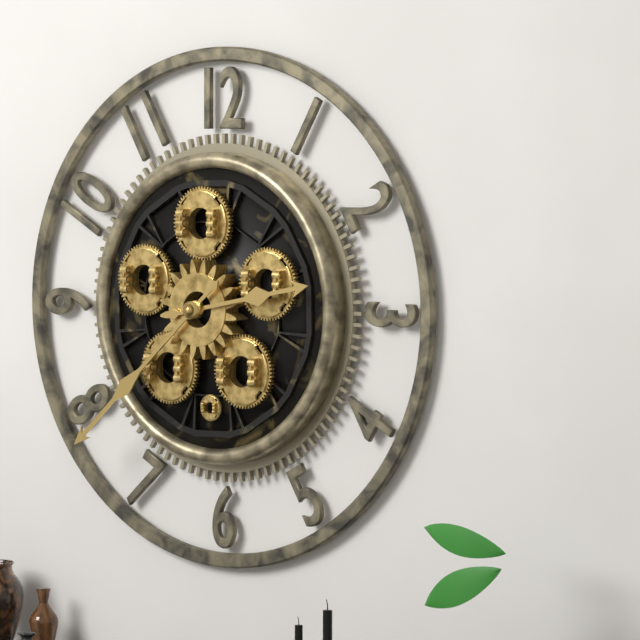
h=2 m=38
